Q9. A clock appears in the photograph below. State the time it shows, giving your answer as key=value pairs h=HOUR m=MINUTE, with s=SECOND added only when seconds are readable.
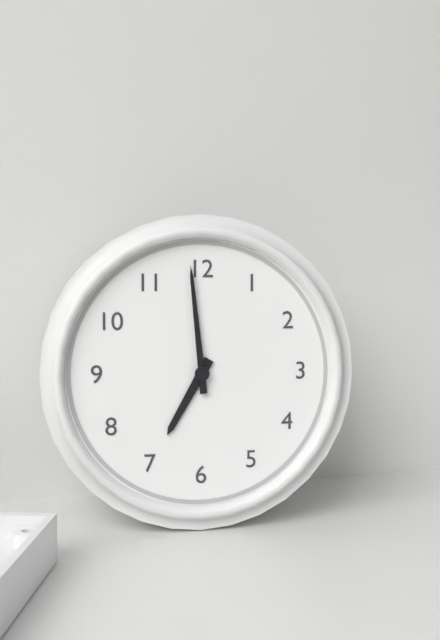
h=6 m=59
